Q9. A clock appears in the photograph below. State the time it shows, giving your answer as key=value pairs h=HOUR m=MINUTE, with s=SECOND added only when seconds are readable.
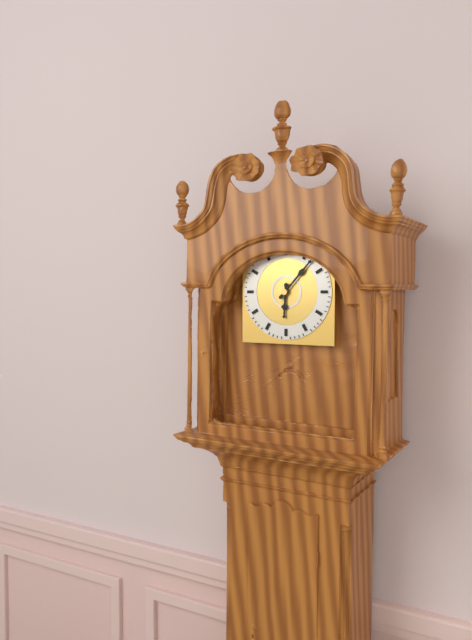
h=6 m=7
